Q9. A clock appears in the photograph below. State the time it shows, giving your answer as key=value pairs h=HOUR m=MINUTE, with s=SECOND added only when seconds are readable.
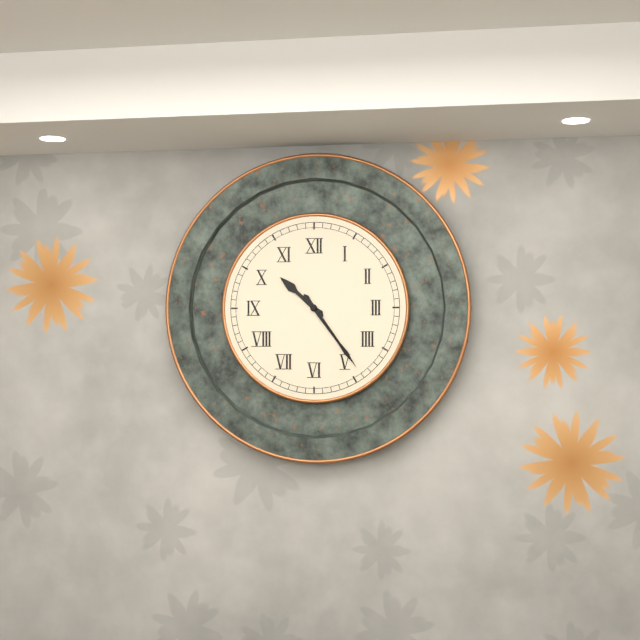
h=10 m=24
